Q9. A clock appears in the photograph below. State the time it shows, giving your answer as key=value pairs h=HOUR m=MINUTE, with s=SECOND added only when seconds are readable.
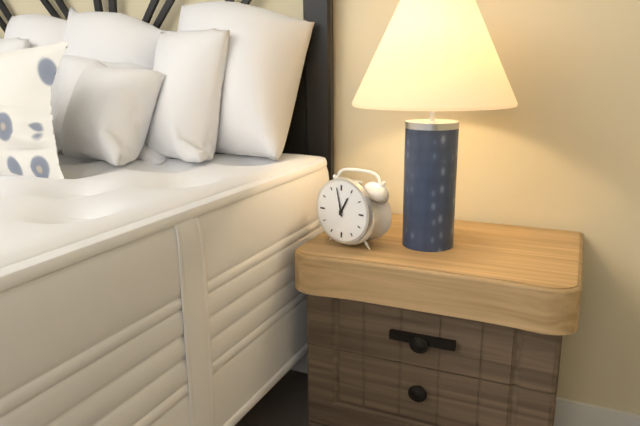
h=12 m=58
